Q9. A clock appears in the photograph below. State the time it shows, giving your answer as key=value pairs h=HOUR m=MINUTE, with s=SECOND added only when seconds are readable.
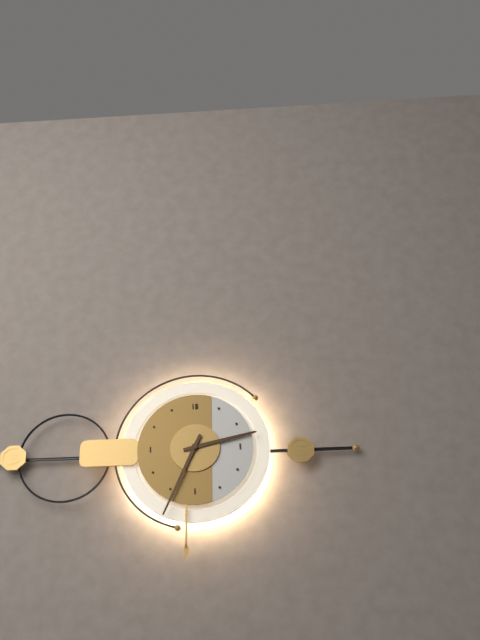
h=2 m=34
